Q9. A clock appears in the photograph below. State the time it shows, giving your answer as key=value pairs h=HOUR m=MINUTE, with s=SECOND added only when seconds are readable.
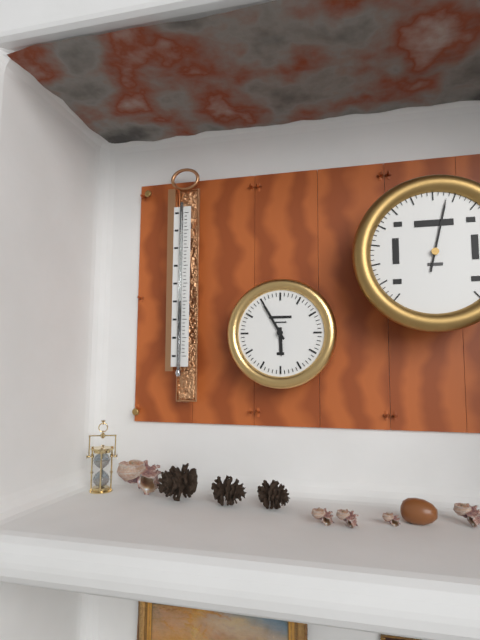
h=5 m=55
